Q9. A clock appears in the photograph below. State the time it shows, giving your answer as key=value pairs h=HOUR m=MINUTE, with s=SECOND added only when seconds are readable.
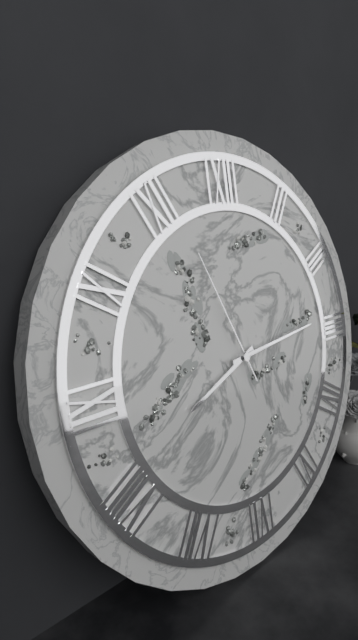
h=8 m=14 s=56
